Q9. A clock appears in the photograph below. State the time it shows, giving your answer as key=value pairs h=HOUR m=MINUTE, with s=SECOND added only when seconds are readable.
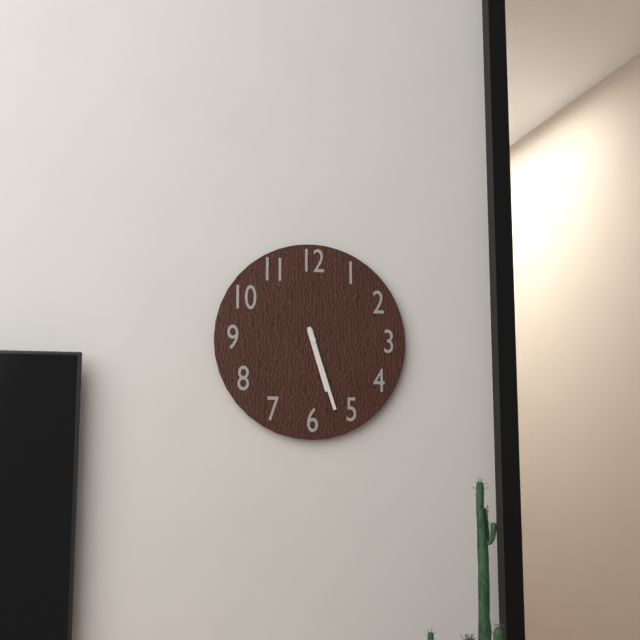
h=5 m=27
